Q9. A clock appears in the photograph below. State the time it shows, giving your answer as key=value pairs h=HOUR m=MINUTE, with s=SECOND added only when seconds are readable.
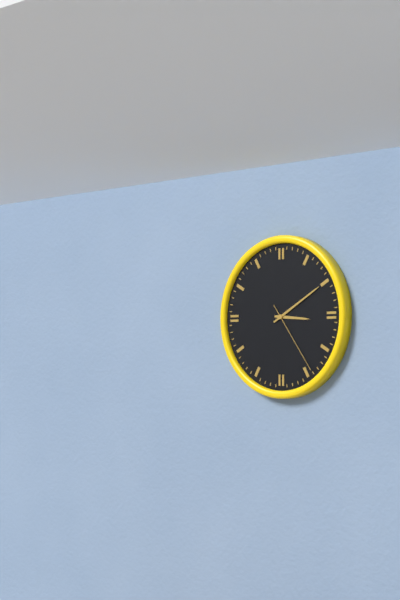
h=3 m=10 s=24
